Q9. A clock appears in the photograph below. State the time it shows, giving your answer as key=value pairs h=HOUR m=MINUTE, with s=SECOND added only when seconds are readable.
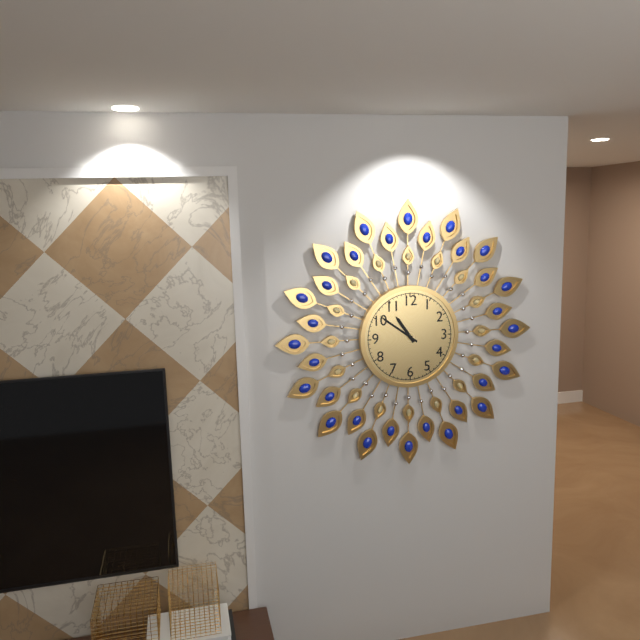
h=10 m=51
